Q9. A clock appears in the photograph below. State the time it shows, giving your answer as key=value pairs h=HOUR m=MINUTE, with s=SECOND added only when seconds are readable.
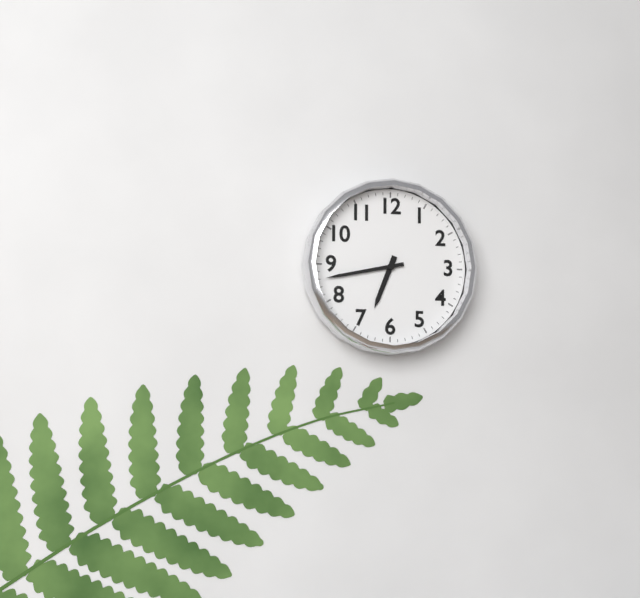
h=6 m=43
